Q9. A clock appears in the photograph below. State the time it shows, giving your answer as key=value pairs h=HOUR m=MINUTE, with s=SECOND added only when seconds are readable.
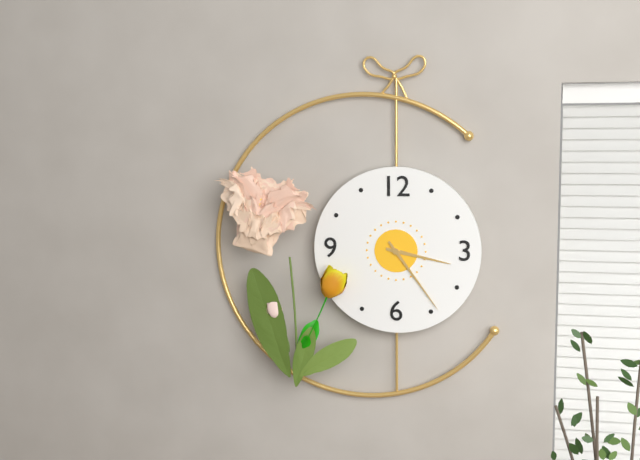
h=3 m=24
